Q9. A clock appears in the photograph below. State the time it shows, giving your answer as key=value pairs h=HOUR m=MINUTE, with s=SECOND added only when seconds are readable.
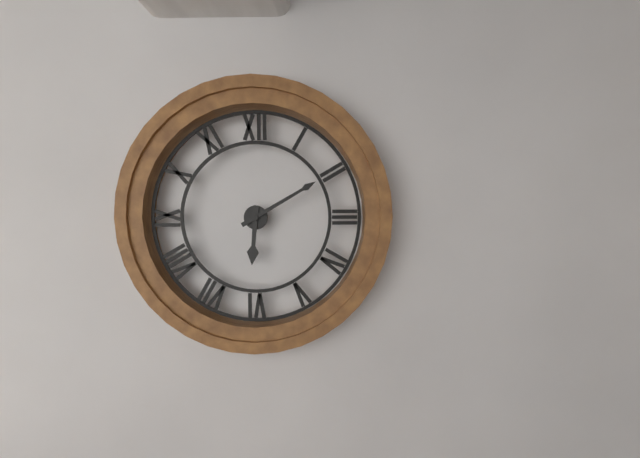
h=6 m=10
